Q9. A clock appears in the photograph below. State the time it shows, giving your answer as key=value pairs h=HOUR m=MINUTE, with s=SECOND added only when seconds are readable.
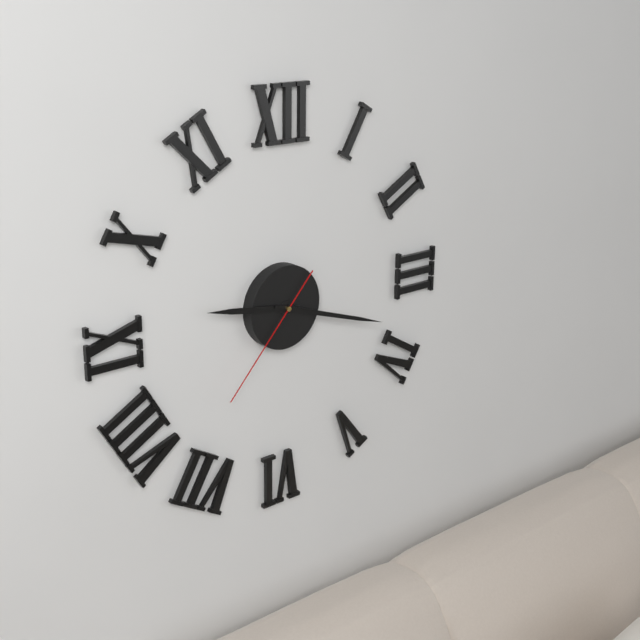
h=9 m=18 s=37
